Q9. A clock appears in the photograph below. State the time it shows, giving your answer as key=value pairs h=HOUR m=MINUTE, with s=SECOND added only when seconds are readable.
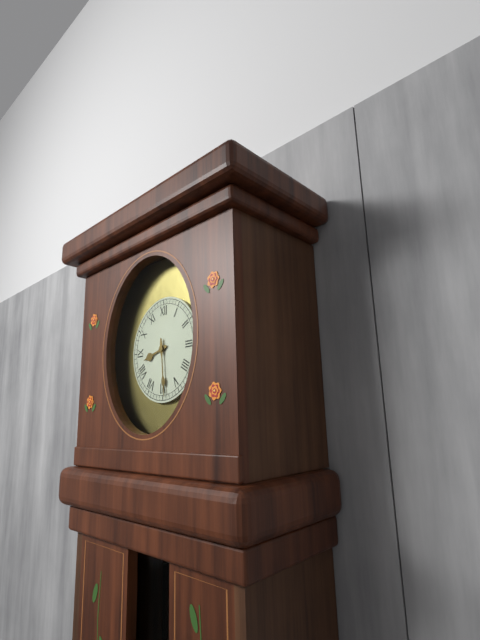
h=8 m=29
